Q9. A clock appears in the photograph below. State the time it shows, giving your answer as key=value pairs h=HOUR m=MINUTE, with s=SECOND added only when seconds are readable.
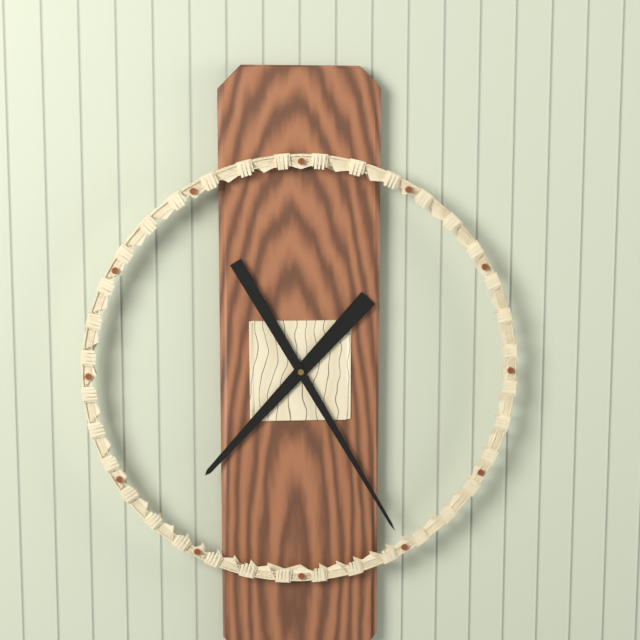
h=7 m=25
